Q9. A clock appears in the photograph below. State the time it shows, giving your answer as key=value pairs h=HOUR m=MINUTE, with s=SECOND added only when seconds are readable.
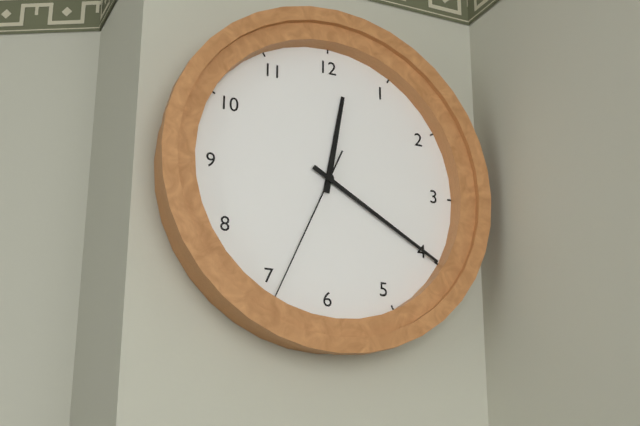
h=12 m=20 s=34
